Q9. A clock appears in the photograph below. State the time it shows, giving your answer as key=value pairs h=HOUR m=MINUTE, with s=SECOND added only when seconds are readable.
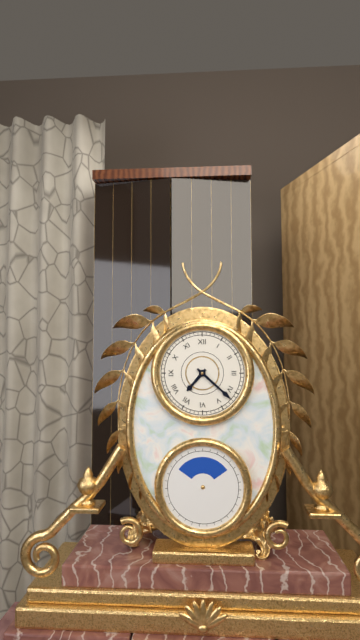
h=7 m=22
